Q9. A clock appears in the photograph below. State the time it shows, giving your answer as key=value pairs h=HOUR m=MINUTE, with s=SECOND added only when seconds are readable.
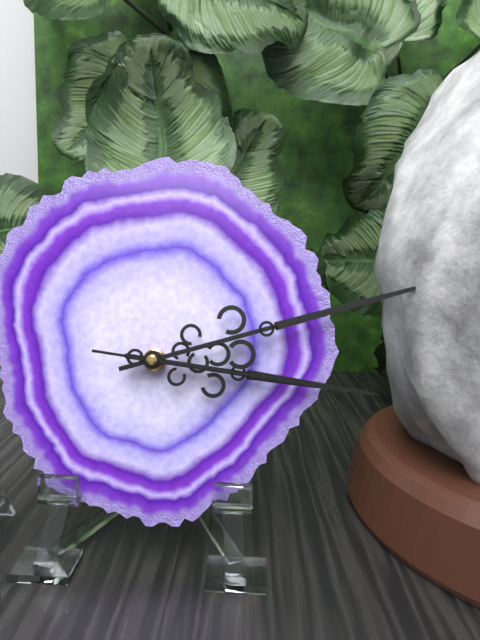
h=3 m=12 s=16
